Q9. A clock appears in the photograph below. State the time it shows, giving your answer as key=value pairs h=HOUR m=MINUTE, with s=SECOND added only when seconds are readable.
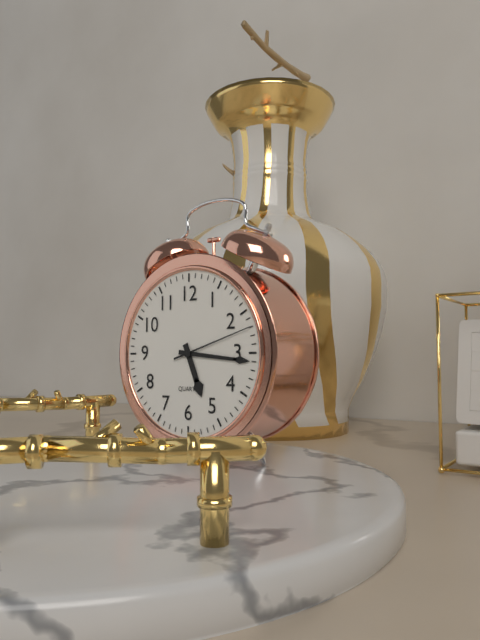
h=5 m=16 s=12
